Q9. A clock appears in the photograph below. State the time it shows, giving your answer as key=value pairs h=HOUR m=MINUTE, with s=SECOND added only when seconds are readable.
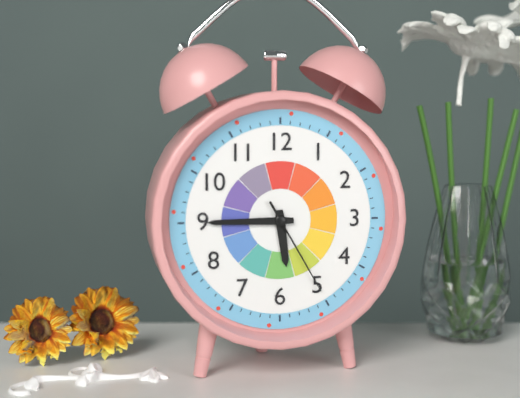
h=5 m=45 s=25
